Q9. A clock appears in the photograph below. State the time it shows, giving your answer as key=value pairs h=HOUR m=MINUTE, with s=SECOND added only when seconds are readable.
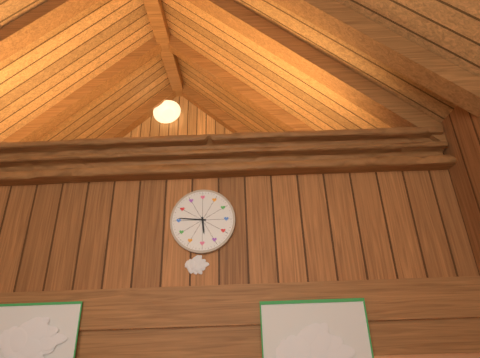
h=5 m=46
